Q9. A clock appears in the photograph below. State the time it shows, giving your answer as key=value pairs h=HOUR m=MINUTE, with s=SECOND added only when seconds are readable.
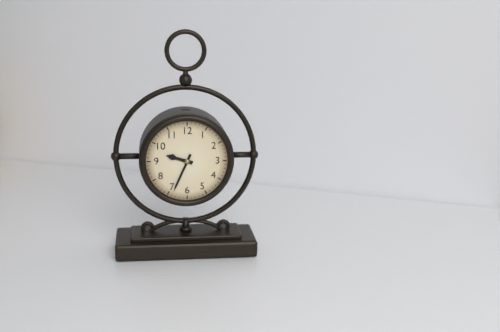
h=9 m=34
